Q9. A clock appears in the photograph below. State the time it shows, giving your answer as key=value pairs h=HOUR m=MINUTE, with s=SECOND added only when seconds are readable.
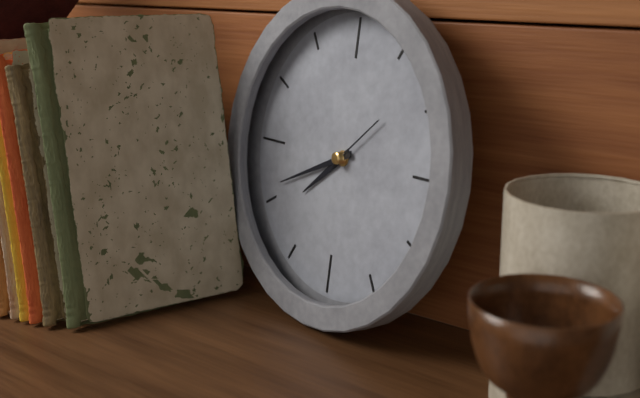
h=7 m=41 s=8
